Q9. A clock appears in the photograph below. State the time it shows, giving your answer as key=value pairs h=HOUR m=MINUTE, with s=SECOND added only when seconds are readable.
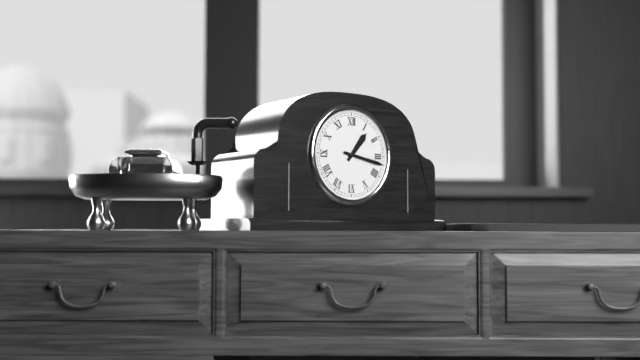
h=1 m=17
